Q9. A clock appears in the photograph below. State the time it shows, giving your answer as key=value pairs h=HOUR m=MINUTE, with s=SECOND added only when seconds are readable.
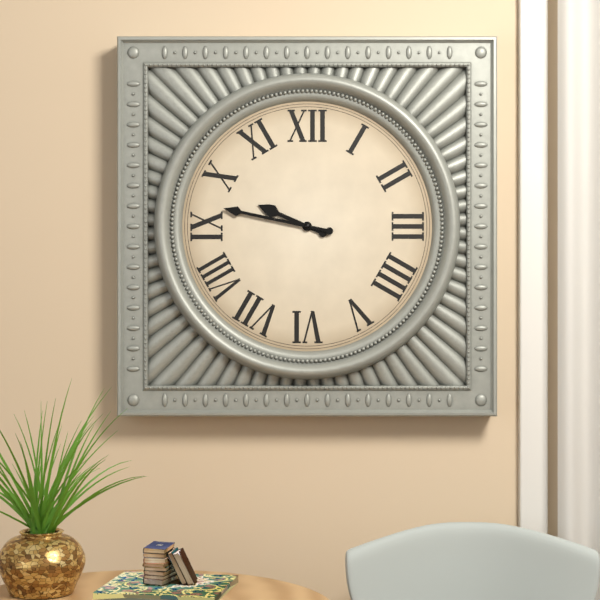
h=9 m=47
